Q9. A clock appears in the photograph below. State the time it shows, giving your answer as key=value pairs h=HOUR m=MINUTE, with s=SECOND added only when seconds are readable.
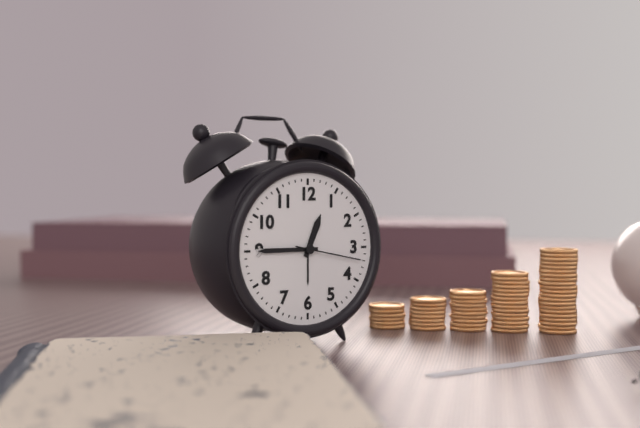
h=12 m=45 s=17
